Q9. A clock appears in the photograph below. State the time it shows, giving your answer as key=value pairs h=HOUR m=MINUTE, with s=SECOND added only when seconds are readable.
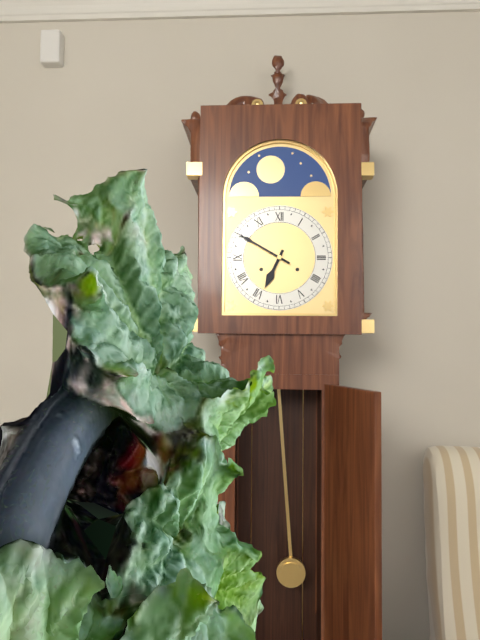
h=6 m=50
